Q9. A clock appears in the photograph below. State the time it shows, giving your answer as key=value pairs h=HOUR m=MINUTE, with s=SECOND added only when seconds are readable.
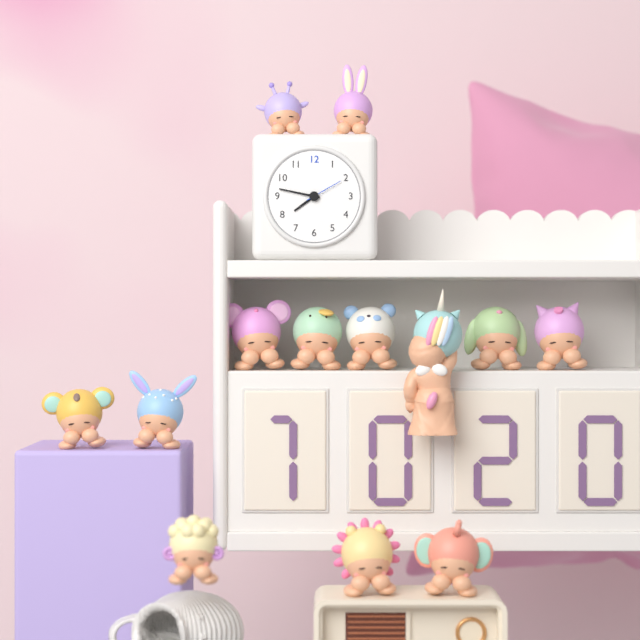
h=7 m=47
